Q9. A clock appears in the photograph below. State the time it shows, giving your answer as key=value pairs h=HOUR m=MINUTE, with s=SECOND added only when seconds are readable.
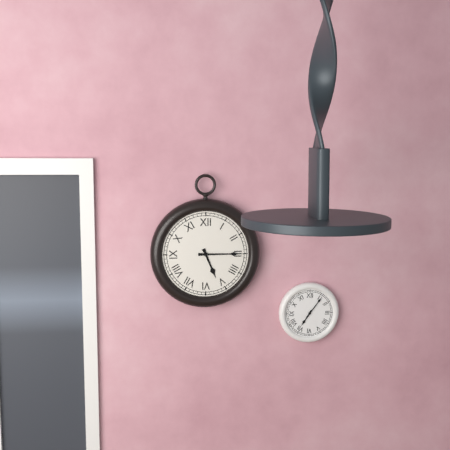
h=5 m=15
